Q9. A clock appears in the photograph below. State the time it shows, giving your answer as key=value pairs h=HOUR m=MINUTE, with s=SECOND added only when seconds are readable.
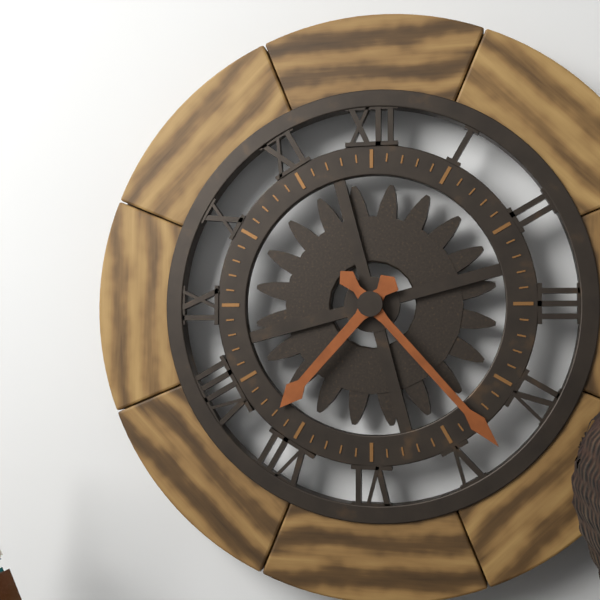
h=7 m=23
